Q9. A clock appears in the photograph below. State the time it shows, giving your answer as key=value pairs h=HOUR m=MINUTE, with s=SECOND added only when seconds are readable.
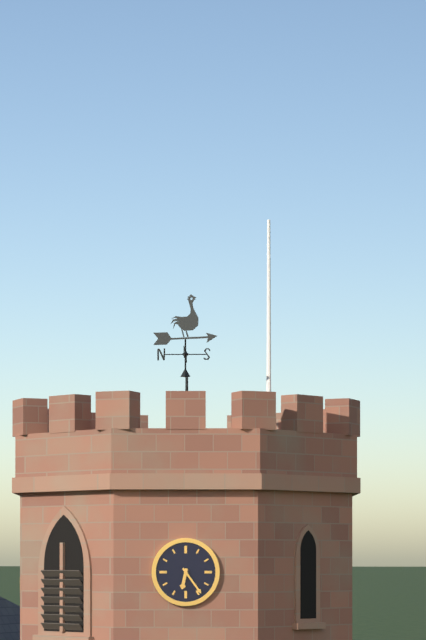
h=6 m=24
